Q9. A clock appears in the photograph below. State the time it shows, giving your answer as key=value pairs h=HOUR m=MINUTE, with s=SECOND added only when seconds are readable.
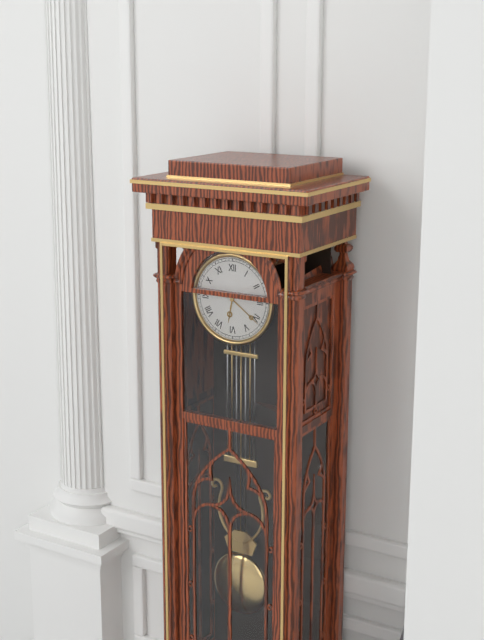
h=6 m=21
